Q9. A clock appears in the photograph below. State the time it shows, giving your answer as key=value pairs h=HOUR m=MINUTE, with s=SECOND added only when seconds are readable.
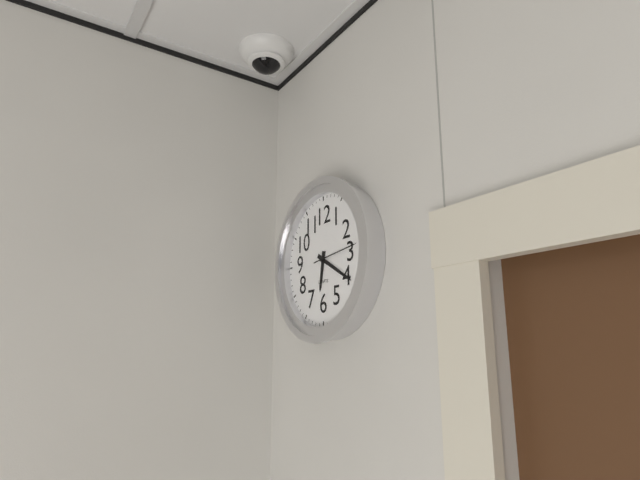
h=6 m=20
